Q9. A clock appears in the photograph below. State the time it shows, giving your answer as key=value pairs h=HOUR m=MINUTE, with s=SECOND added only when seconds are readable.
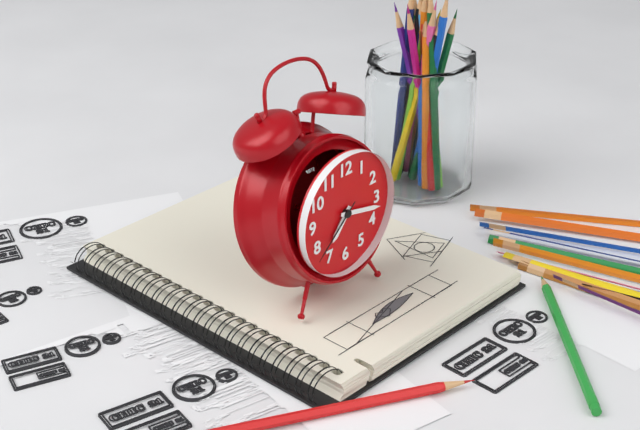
h=7 m=17 s=38
